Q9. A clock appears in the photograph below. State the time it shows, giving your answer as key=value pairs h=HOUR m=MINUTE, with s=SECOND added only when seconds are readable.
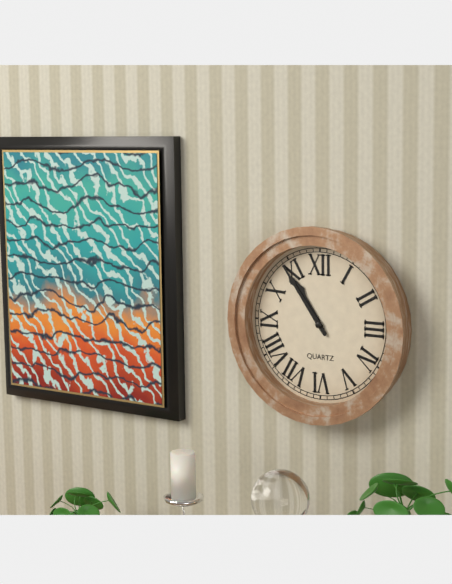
h=10 m=54
